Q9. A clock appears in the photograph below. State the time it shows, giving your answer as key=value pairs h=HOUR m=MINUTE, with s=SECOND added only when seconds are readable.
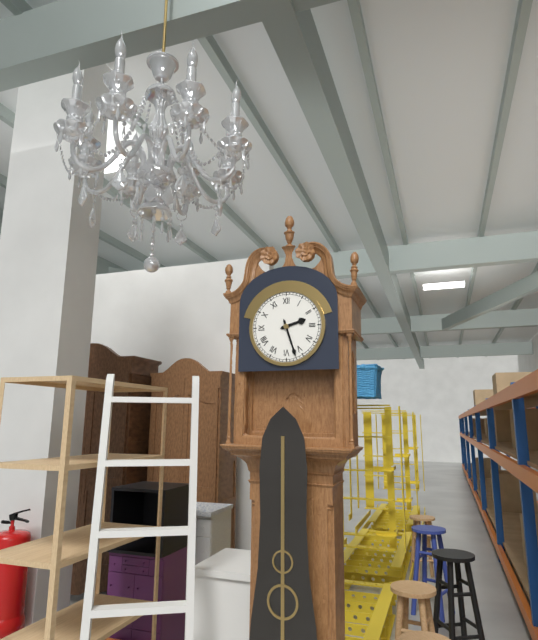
h=2 m=27
